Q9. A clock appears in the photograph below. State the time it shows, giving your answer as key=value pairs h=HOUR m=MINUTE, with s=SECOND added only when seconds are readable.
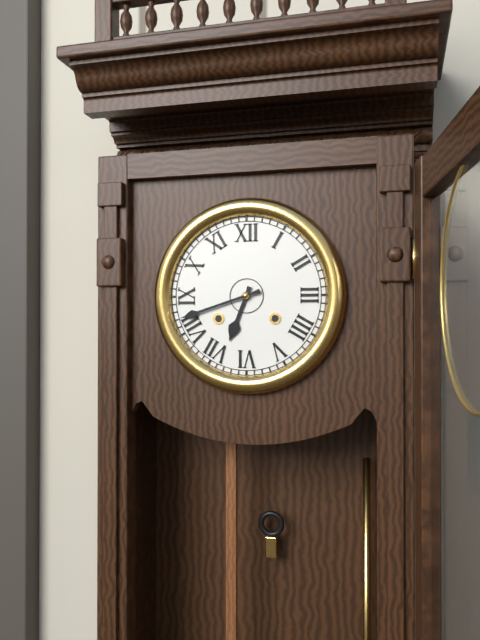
h=6 m=42
